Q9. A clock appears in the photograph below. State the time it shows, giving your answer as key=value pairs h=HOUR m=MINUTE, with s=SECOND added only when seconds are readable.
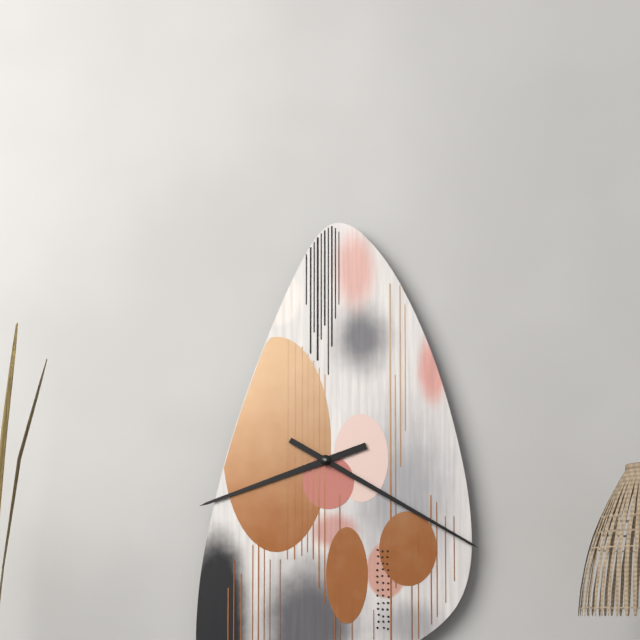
h=8 m=20
